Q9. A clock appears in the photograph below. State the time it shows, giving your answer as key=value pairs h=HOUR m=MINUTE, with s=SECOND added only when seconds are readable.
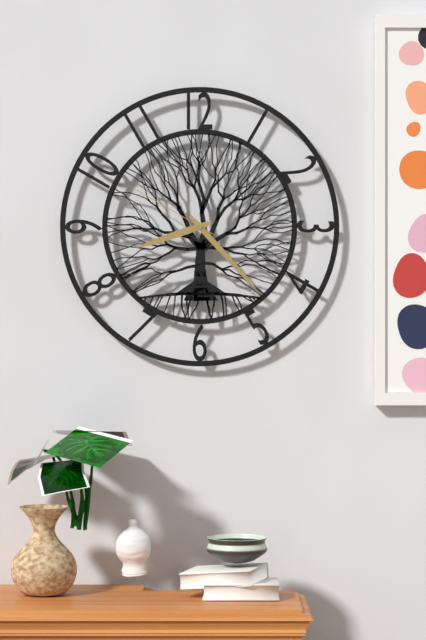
h=8 m=23 s=50
